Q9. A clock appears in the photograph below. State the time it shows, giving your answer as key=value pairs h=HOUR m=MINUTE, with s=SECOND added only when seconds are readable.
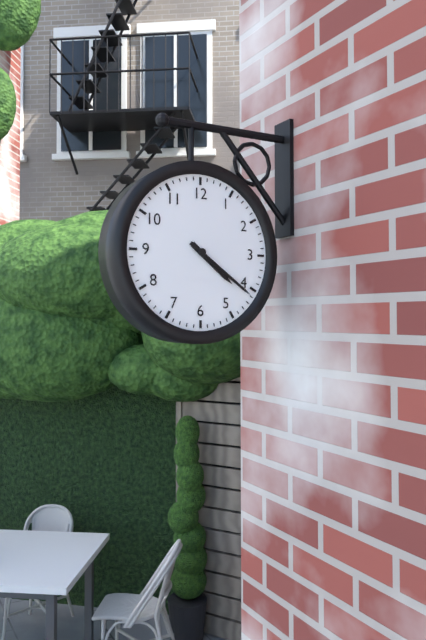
h=4 m=21
